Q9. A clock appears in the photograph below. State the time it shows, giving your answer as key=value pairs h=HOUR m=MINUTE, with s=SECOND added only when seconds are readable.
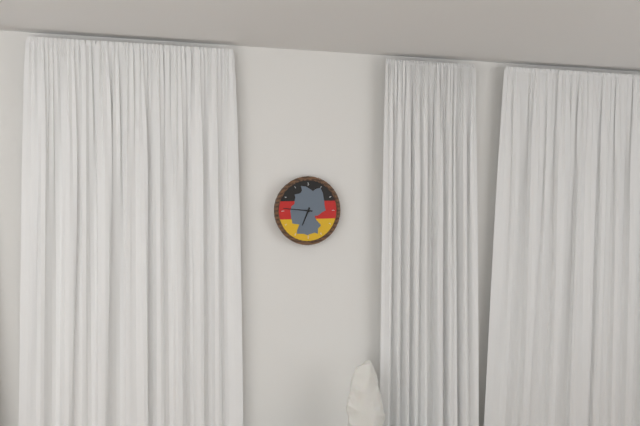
h=6 m=46
